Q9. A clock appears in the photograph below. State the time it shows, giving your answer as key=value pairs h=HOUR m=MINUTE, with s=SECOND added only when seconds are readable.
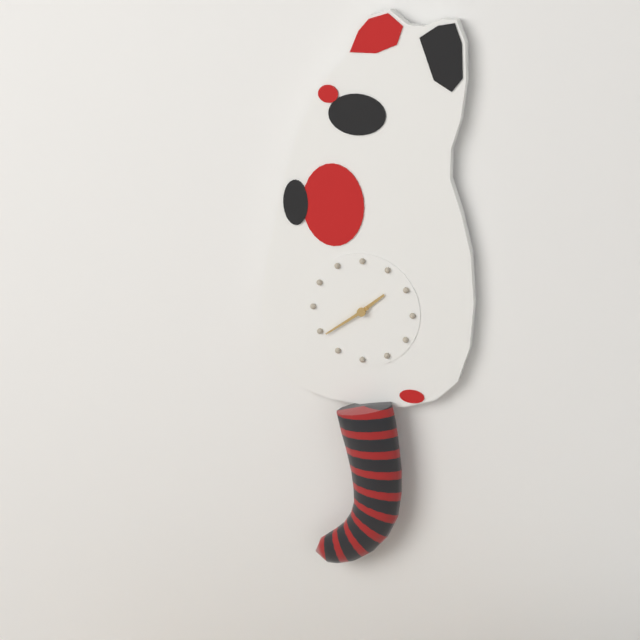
h=1 m=39
